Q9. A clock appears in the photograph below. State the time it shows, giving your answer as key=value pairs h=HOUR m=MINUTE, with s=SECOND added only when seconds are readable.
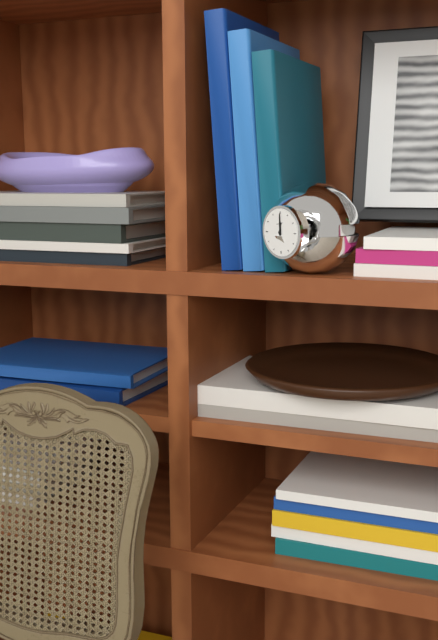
h=12 m=0
